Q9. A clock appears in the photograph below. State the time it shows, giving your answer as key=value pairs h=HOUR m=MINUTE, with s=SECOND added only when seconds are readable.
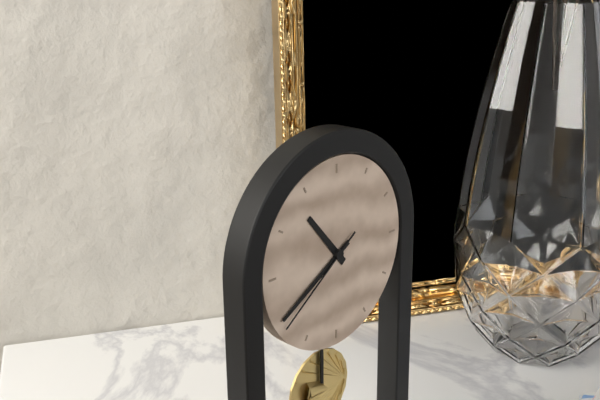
h=10 m=40 s=39
